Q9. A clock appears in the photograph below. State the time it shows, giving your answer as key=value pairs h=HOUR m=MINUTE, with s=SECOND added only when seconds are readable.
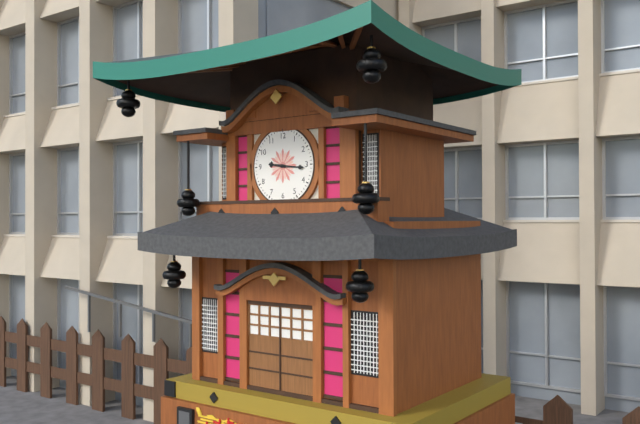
h=9 m=16
